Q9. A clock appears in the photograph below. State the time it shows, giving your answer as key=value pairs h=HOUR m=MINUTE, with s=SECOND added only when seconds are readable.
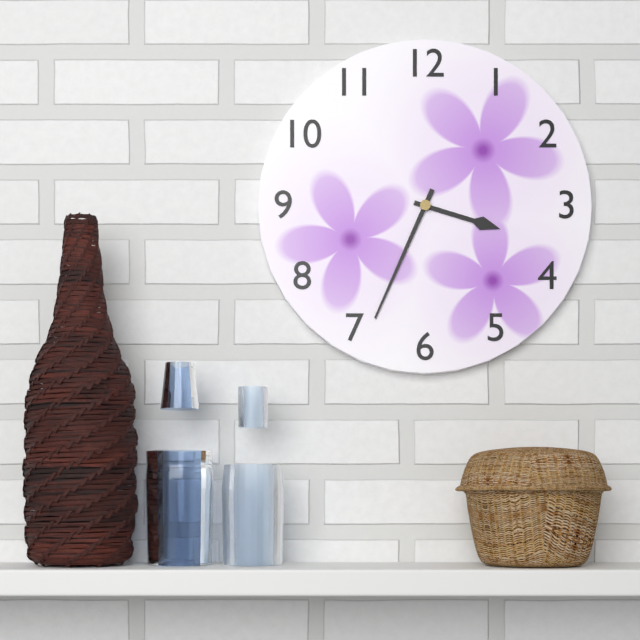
h=3 m=34
